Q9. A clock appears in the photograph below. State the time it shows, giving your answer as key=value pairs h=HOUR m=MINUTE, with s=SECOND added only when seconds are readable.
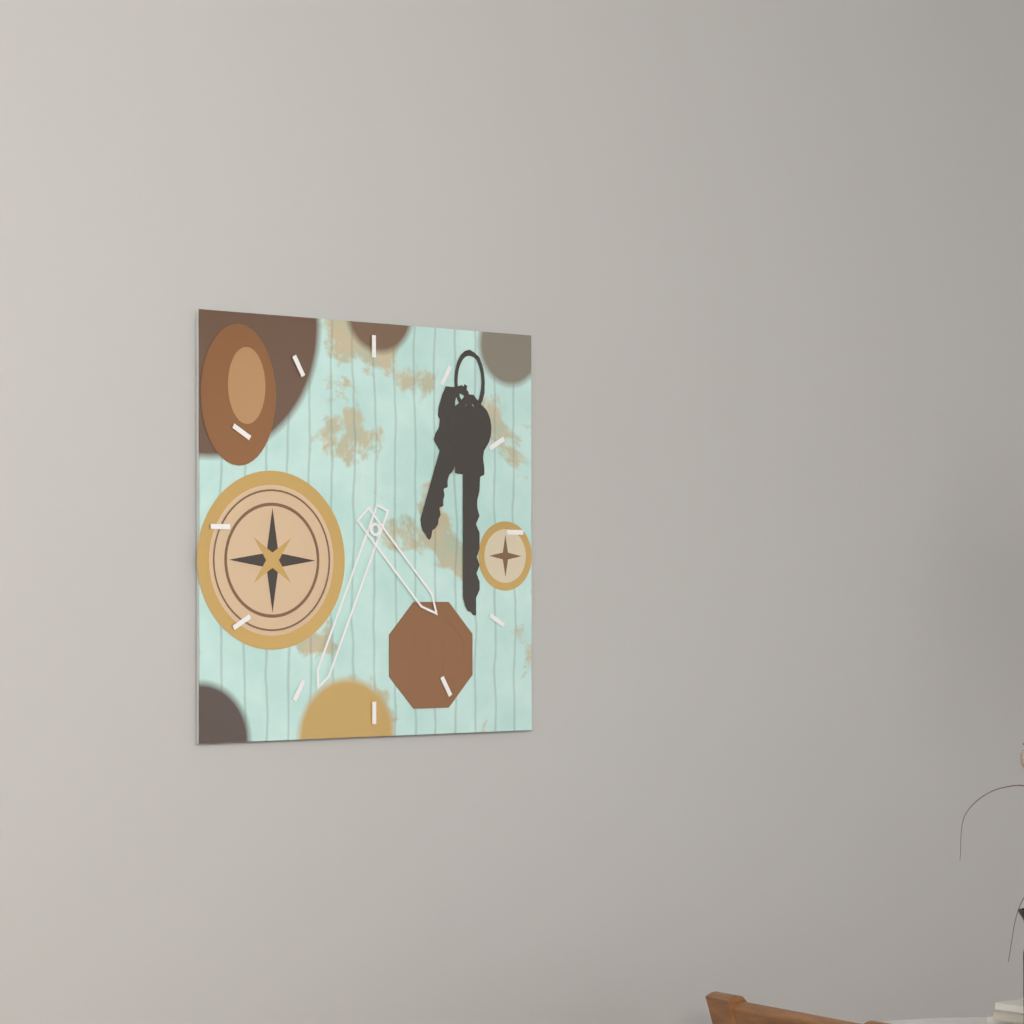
h=4 m=34
